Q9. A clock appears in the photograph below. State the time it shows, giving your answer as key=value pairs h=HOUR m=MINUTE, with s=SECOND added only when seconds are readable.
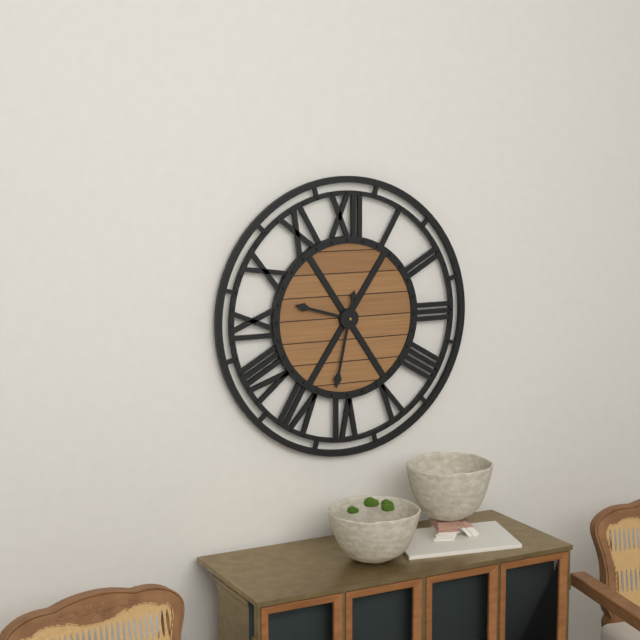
h=9 m=32
